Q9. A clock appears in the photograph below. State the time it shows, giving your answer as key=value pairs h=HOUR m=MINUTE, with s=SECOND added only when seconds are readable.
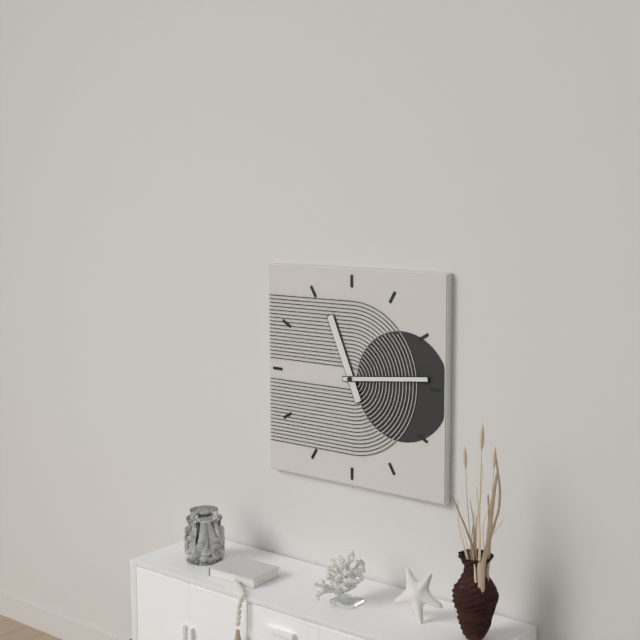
h=11 m=14
